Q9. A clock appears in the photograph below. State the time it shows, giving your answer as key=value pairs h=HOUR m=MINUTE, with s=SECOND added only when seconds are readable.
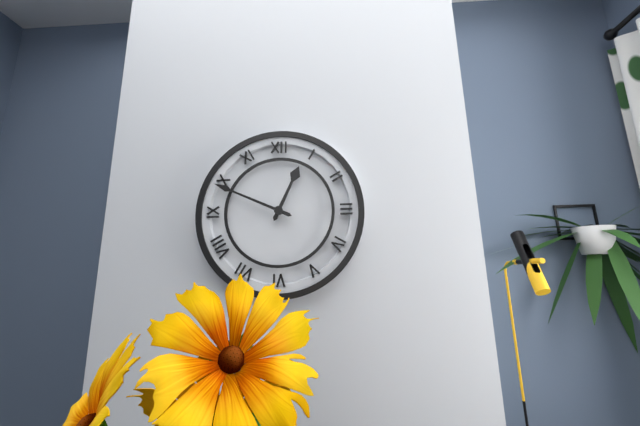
h=12 m=49
